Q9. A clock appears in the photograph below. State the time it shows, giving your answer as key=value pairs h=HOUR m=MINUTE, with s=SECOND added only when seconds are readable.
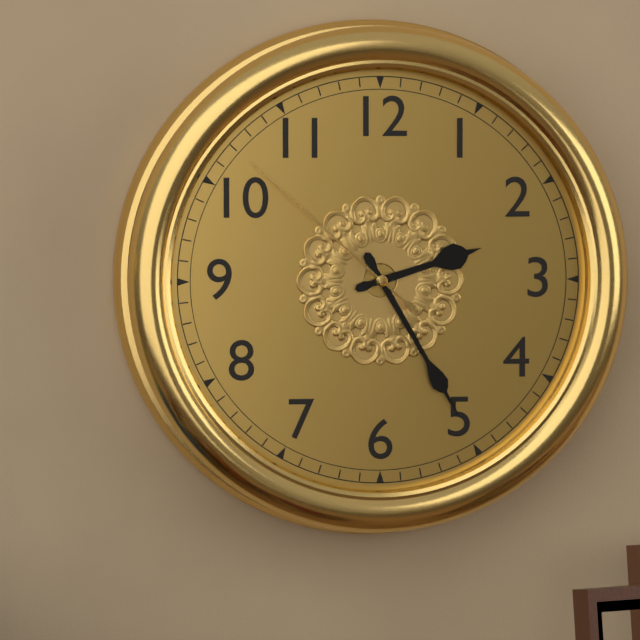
h=2 m=25 s=52
